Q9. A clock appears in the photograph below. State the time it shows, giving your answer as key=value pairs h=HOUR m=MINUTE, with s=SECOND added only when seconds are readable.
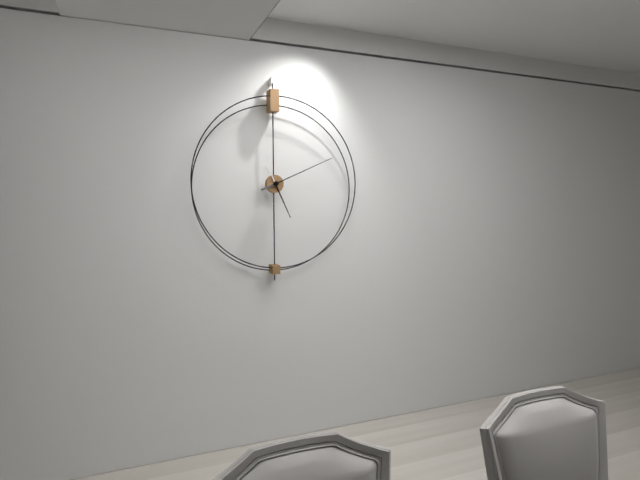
h=5 m=11
